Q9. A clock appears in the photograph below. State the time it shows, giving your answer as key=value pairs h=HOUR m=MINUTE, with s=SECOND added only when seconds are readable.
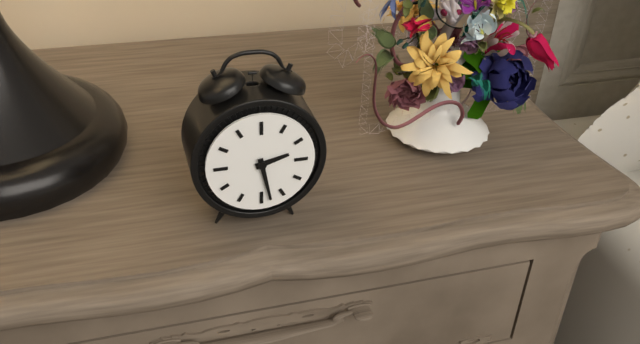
h=2 m=28
